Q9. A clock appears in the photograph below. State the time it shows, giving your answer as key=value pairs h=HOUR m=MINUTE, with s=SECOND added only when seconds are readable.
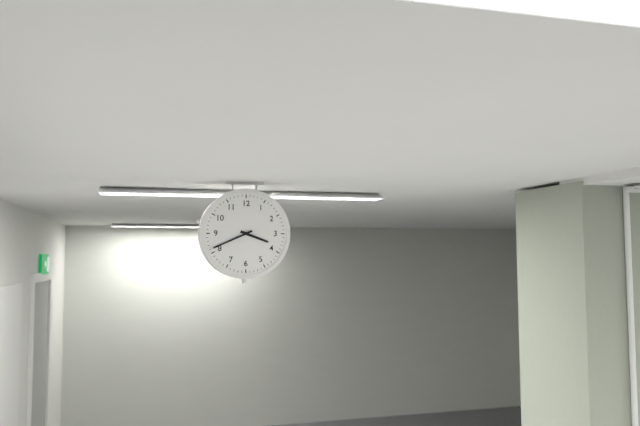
h=3 m=41
